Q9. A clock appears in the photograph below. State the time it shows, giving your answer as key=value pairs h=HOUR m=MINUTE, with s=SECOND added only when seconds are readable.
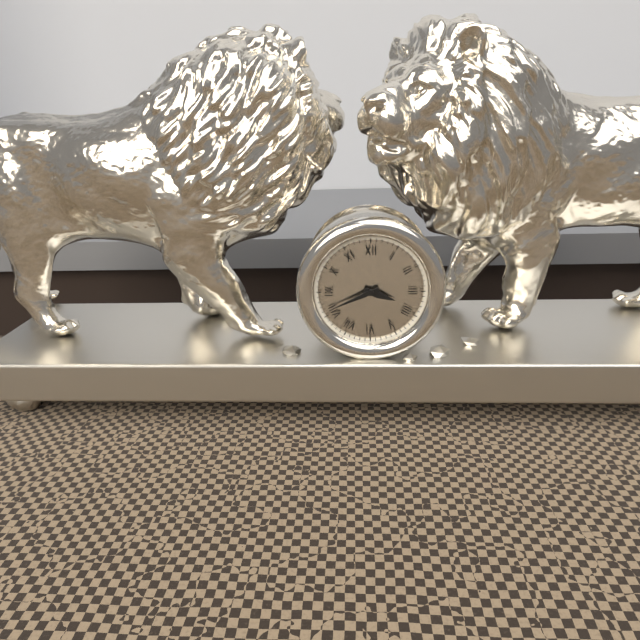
h=3 m=41
